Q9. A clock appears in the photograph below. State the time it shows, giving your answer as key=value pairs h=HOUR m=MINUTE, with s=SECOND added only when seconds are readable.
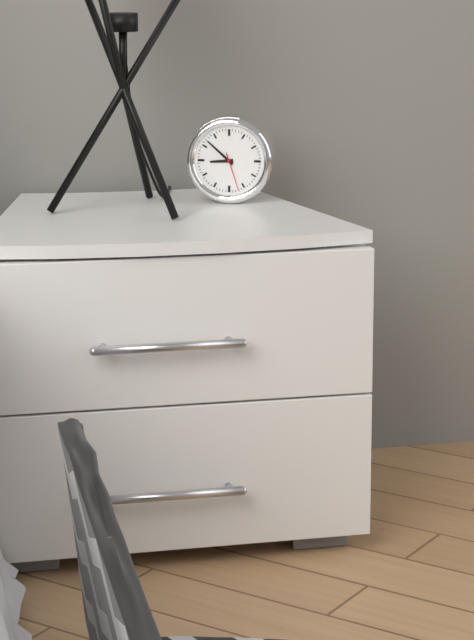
h=8 m=52
